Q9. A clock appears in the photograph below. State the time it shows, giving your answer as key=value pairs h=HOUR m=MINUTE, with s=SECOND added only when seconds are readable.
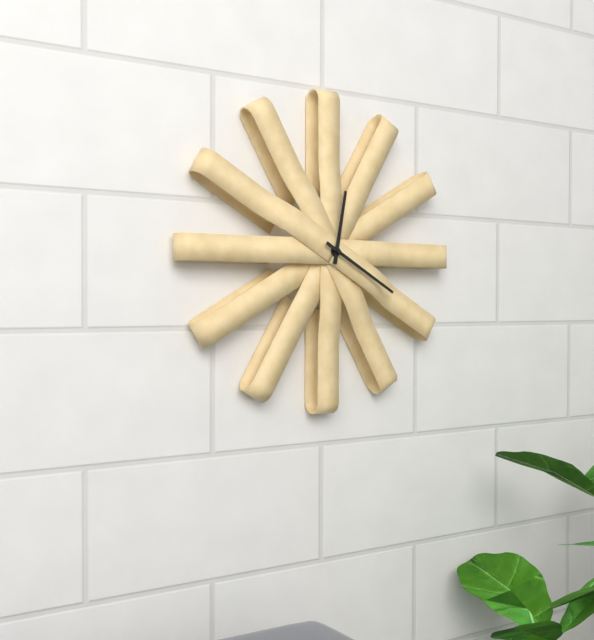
h=12 m=20
